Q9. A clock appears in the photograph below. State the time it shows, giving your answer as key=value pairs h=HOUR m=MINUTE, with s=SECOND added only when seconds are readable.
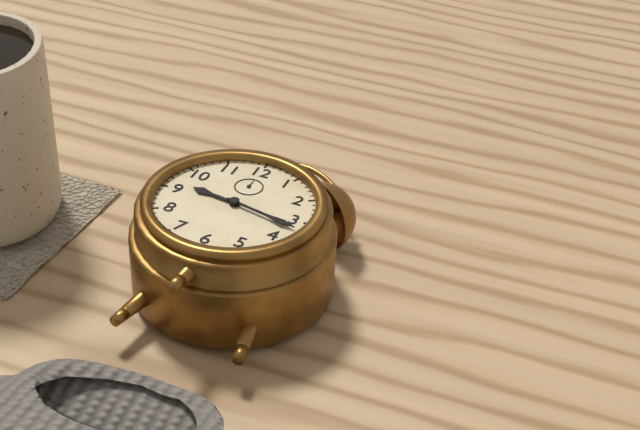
h=9 m=17
